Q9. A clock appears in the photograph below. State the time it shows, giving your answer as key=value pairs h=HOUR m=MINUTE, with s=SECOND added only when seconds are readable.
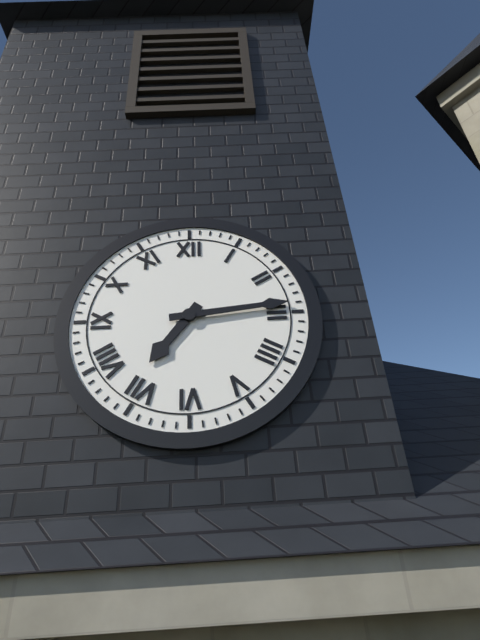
h=7 m=14
